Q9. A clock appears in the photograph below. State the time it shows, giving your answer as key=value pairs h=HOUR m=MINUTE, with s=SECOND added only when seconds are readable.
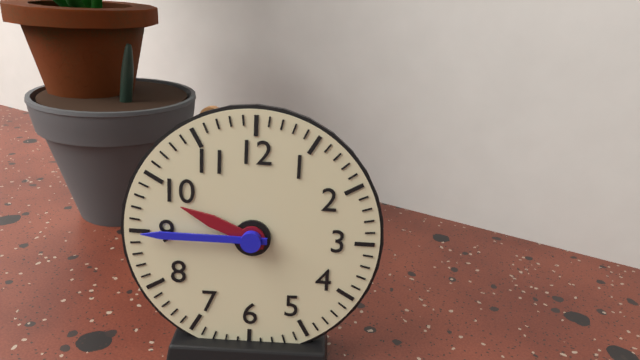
h=9 m=45
